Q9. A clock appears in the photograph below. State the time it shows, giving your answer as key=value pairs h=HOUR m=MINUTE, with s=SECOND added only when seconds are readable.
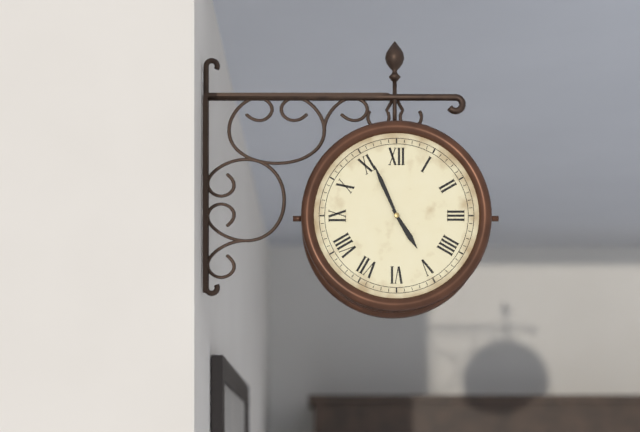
h=4 m=56
